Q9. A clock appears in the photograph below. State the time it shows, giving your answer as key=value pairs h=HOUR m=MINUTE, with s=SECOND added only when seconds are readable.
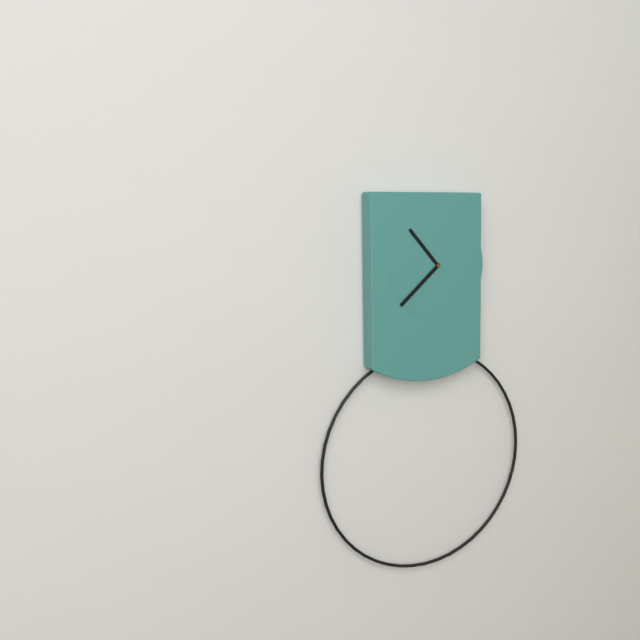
h=10 m=38
